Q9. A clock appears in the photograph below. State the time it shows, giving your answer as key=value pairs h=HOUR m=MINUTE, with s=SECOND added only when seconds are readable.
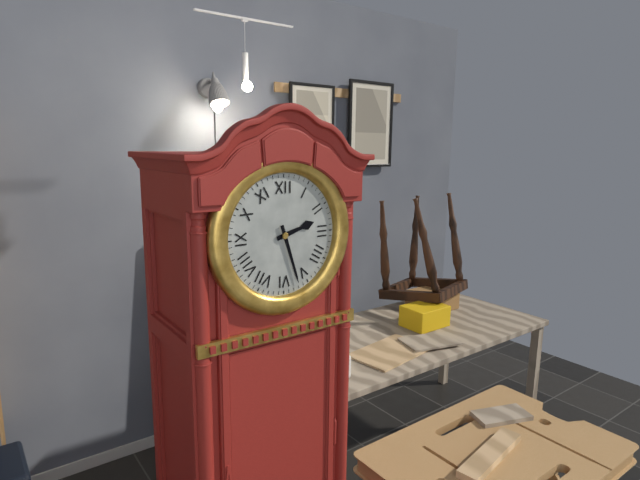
h=2 m=27
